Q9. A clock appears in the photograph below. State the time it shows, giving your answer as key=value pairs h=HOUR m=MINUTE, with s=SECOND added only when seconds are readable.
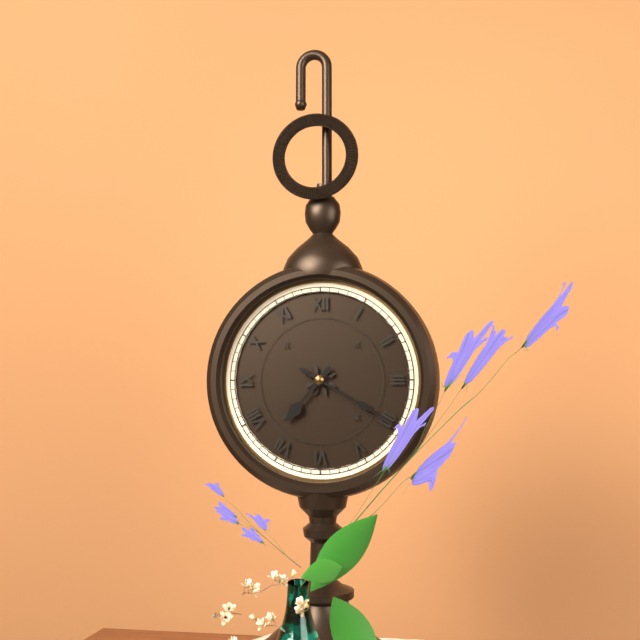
h=7 m=20
